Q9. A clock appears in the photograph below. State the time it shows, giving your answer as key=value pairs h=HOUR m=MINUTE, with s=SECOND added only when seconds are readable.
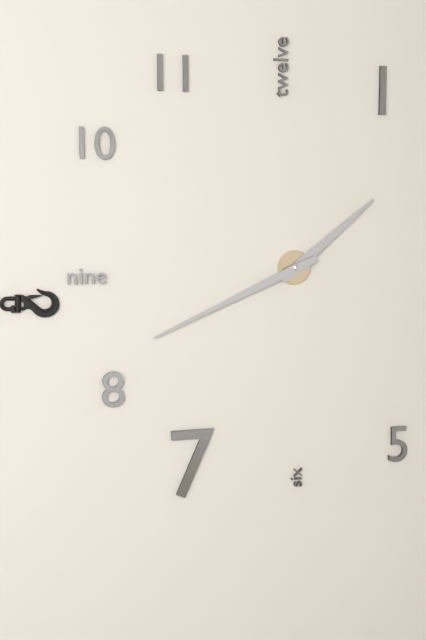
h=1 m=41
